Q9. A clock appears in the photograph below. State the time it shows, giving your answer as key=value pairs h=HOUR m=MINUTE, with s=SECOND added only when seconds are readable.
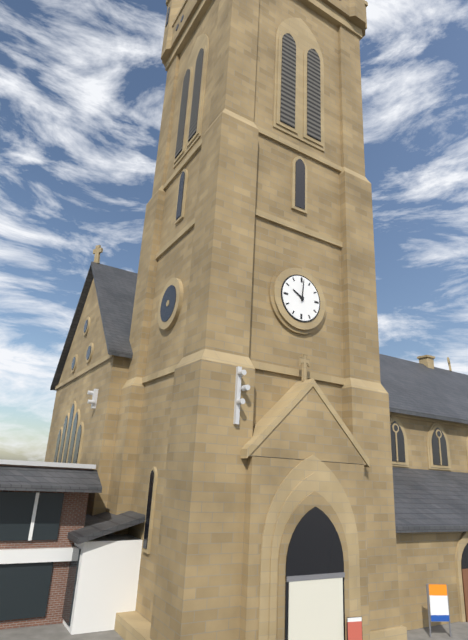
h=10 m=1
